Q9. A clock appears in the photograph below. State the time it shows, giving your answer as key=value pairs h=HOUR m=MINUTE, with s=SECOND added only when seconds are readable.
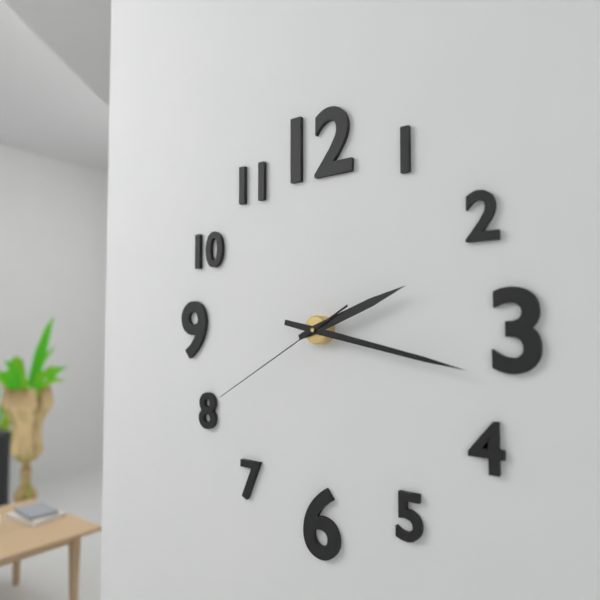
h=2 m=17 s=40
